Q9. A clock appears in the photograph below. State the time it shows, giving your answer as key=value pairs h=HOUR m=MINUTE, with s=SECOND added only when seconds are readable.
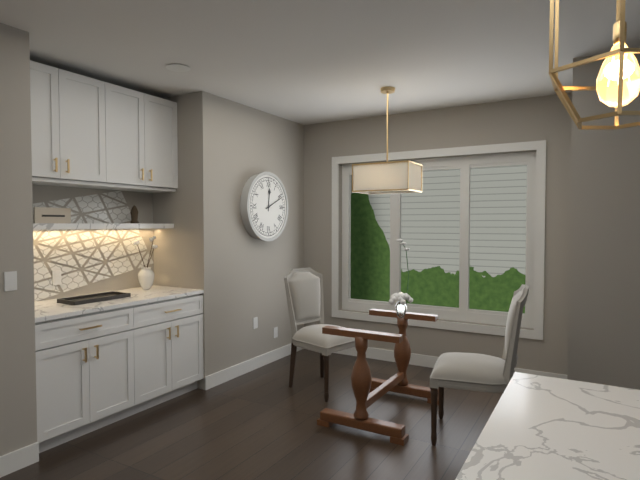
h=12 m=11
